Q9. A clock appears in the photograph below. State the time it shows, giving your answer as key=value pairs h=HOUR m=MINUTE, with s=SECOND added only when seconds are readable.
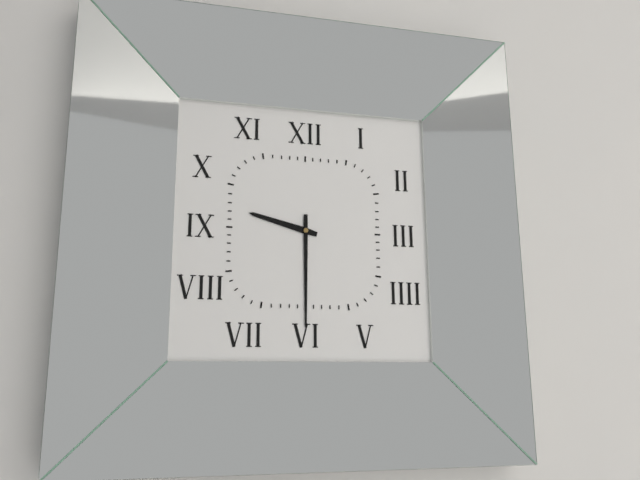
h=9 m=30
